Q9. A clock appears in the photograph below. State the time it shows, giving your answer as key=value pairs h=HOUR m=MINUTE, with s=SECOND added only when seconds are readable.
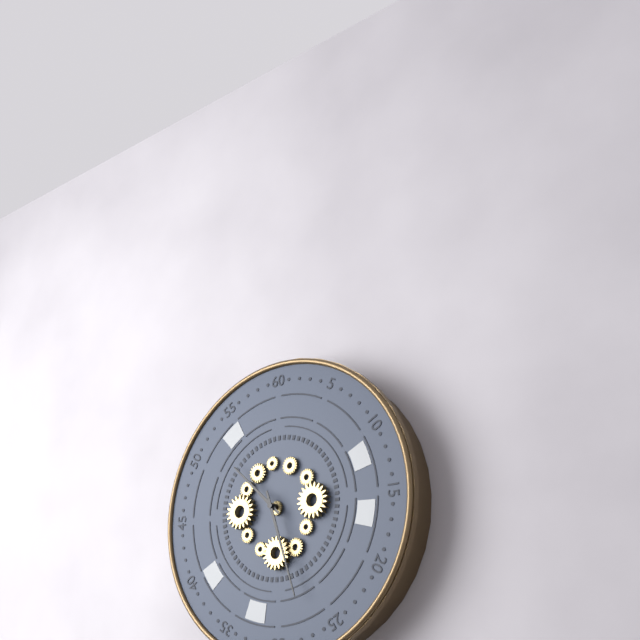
h=10 m=27
